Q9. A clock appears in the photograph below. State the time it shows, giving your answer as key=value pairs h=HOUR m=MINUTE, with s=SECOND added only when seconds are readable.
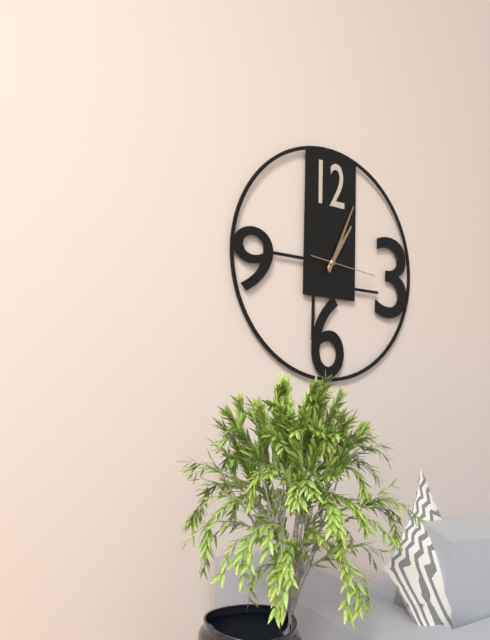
h=1 m=4 s=16
